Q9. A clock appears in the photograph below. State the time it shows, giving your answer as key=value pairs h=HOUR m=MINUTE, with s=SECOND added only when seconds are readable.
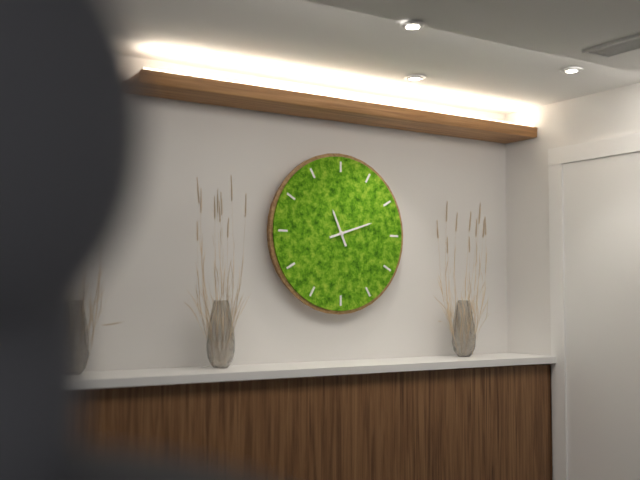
h=11 m=12
